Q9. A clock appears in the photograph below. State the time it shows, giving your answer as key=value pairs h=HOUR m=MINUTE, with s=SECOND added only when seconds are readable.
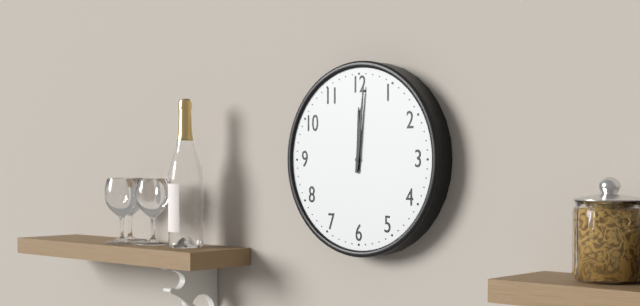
h=12 m=1
